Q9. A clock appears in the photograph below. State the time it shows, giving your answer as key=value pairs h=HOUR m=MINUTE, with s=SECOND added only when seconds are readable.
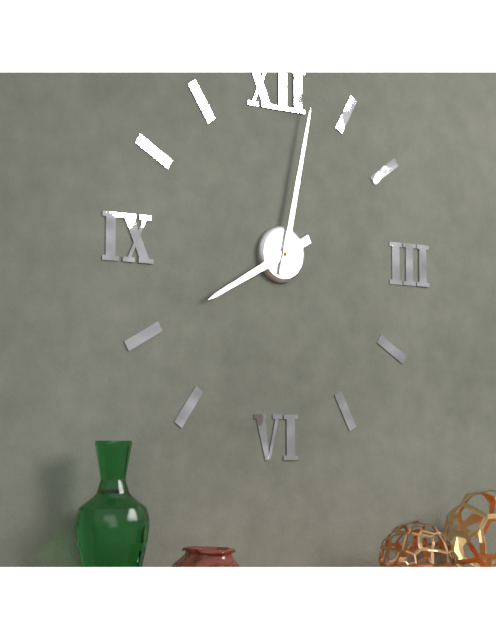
h=8 m=2
